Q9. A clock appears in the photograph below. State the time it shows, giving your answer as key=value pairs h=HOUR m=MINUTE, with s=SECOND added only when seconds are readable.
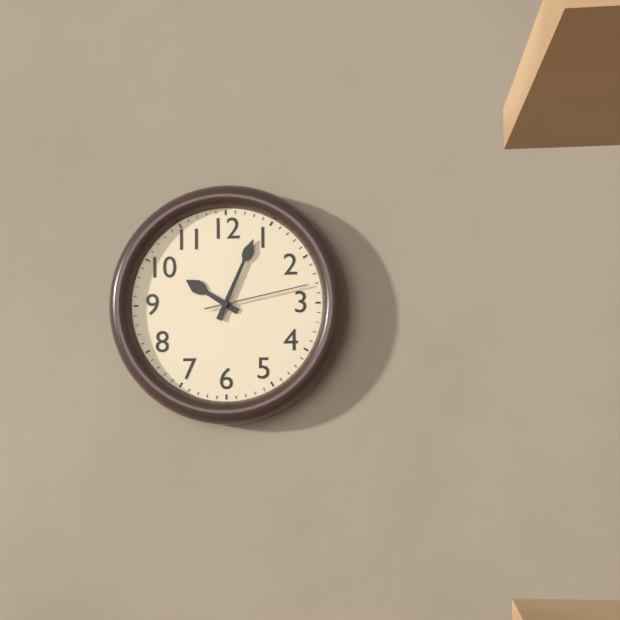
h=10 m=4 s=13
